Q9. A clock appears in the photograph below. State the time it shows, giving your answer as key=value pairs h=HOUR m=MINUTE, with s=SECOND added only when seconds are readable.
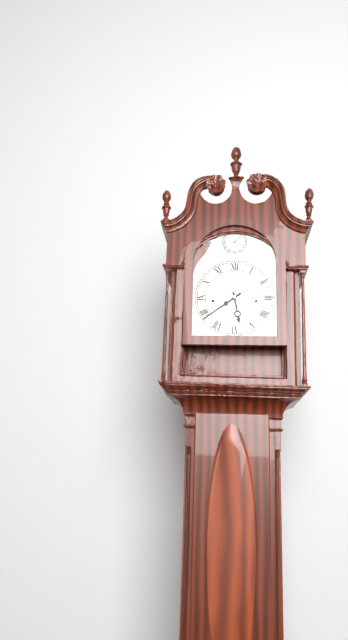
h=5 m=39
